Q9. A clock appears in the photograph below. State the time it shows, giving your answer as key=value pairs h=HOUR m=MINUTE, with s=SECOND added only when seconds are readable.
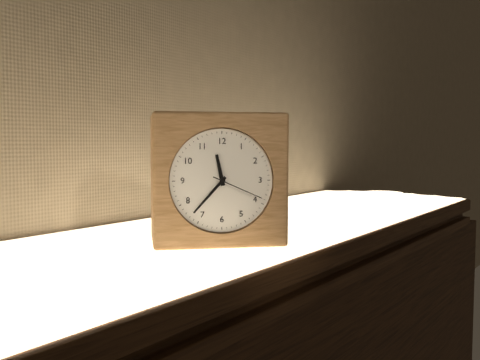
h=11 m=37 s=19
